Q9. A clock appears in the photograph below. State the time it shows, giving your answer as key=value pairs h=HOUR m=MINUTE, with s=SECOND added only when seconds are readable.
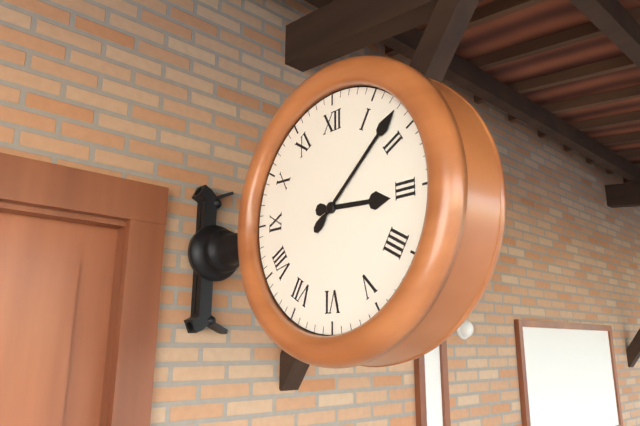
h=3 m=8
